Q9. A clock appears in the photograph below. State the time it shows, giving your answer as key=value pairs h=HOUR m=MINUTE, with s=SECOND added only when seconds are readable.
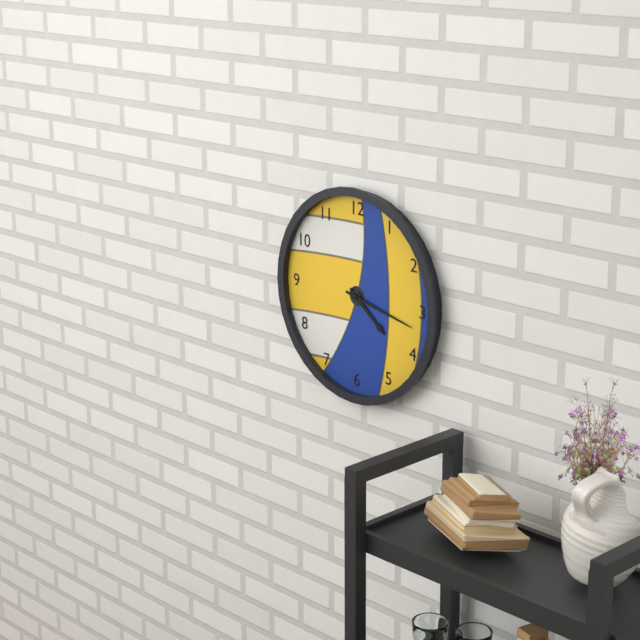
h=4 m=17
